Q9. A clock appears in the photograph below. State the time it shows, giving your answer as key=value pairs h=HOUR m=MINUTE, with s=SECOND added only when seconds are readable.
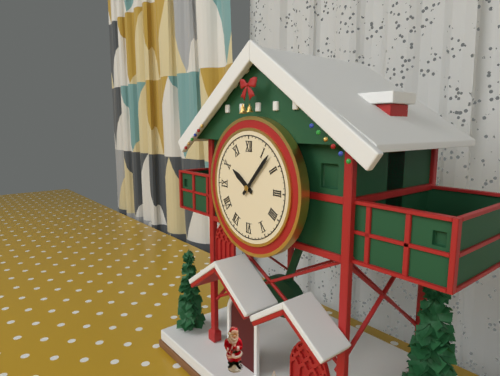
h=10 m=7
